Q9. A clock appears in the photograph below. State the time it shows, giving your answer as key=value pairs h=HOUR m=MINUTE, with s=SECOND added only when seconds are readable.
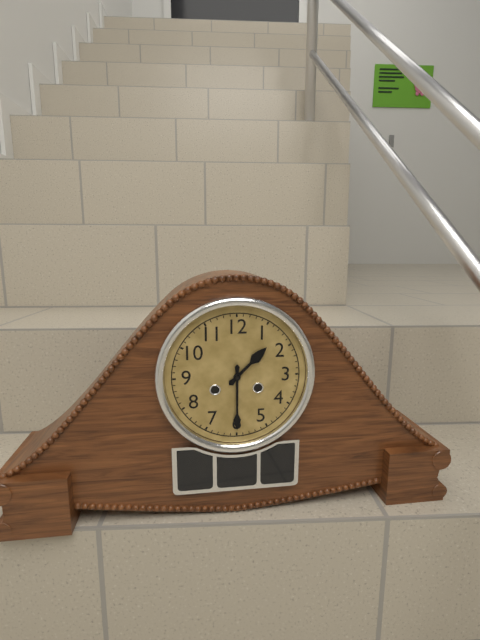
h=1 m=30
